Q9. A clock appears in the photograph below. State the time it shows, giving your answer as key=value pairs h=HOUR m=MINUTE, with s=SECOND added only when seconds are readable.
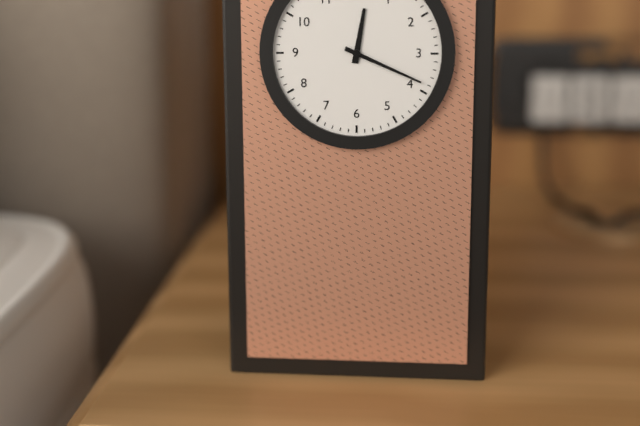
h=12 m=19
